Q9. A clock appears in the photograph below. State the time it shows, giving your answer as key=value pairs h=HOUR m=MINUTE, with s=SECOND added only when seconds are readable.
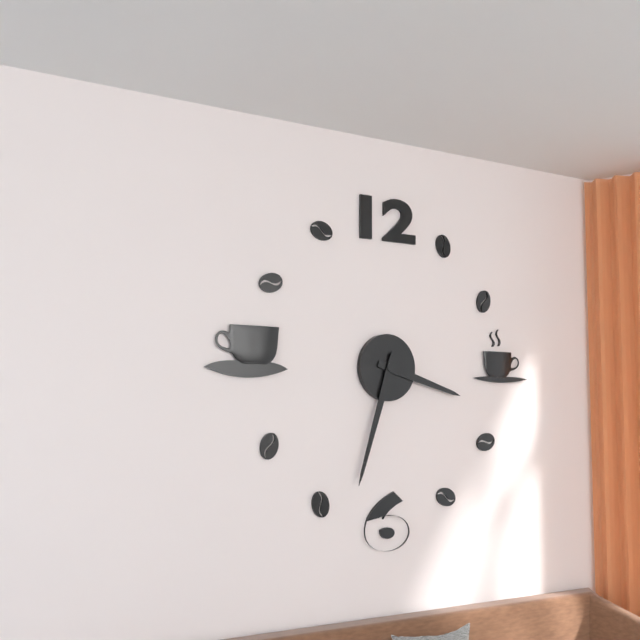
h=3 m=33
